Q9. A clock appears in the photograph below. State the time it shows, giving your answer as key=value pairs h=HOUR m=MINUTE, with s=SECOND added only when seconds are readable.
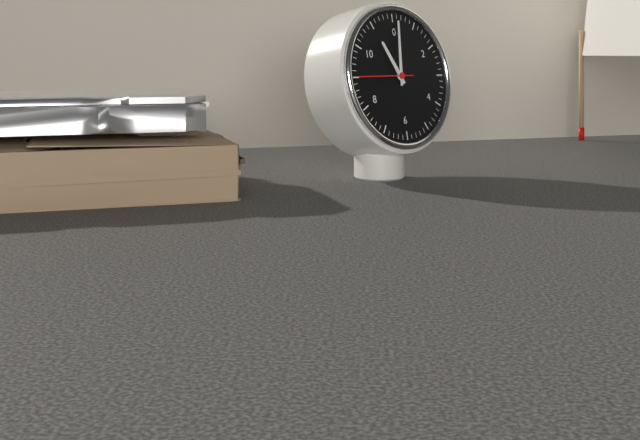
h=11 m=1
